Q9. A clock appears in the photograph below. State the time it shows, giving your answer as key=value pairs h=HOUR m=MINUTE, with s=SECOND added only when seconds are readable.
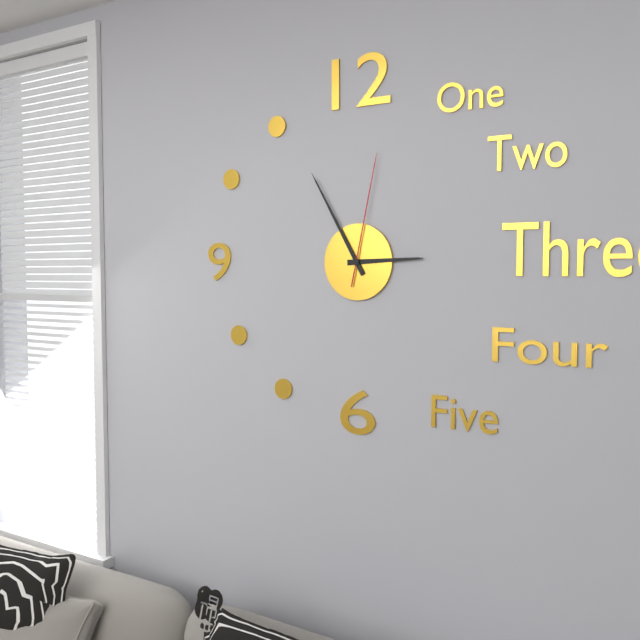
h=2 m=55 s=2
